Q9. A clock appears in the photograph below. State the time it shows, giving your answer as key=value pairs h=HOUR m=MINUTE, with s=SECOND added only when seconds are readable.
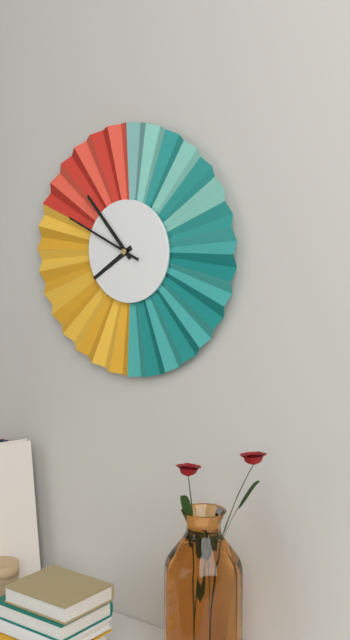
h=7 m=53 s=49
